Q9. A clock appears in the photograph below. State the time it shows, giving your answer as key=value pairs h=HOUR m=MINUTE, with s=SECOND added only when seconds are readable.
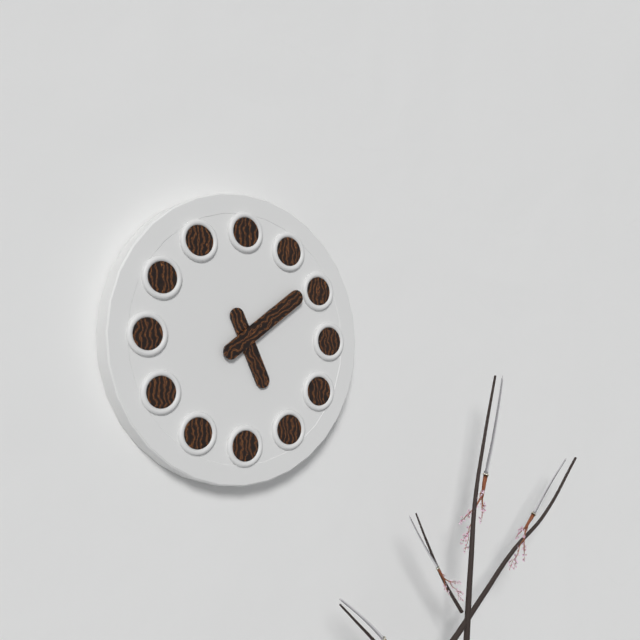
h=5 m=9
